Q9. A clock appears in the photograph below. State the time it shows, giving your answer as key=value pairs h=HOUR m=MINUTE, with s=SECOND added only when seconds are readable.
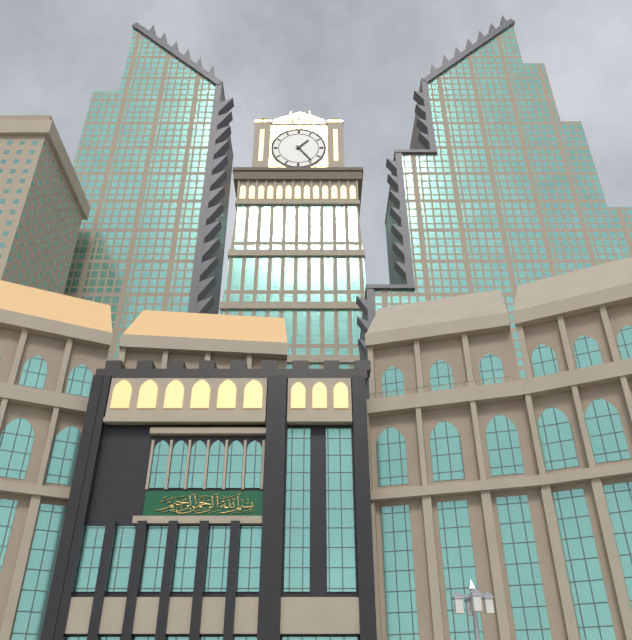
h=1 m=24
